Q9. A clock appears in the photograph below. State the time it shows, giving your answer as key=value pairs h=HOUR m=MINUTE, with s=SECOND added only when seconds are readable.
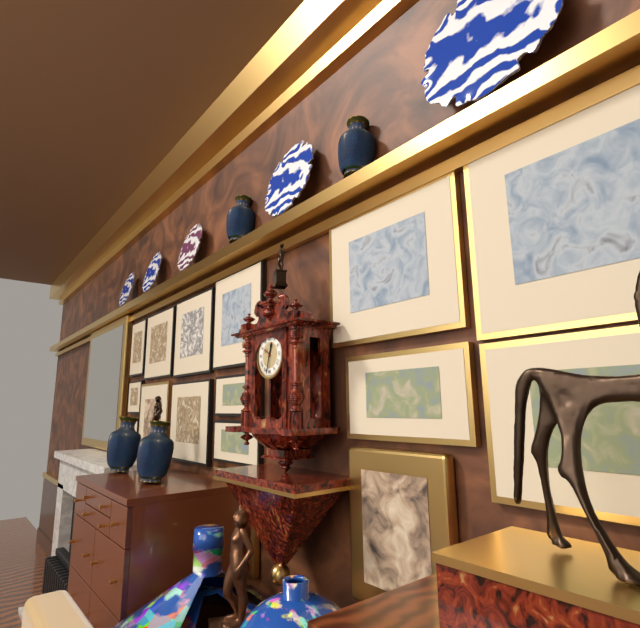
h=12 m=32
